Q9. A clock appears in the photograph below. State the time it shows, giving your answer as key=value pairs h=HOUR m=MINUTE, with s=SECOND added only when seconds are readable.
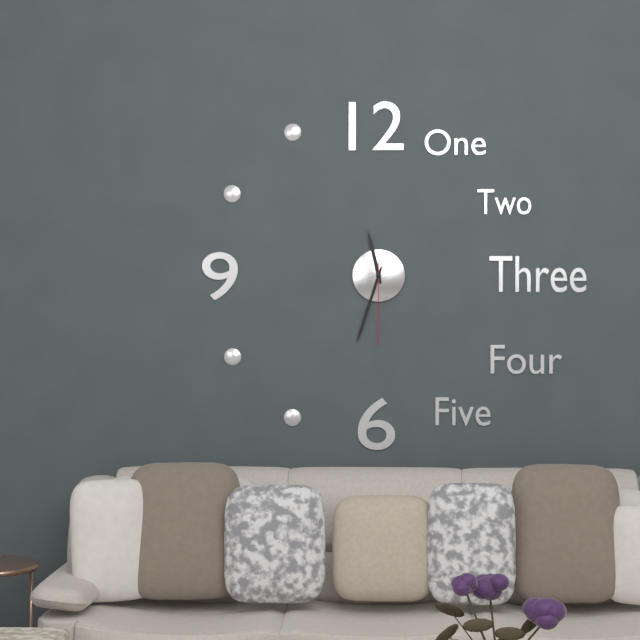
h=11 m=33 s=30
